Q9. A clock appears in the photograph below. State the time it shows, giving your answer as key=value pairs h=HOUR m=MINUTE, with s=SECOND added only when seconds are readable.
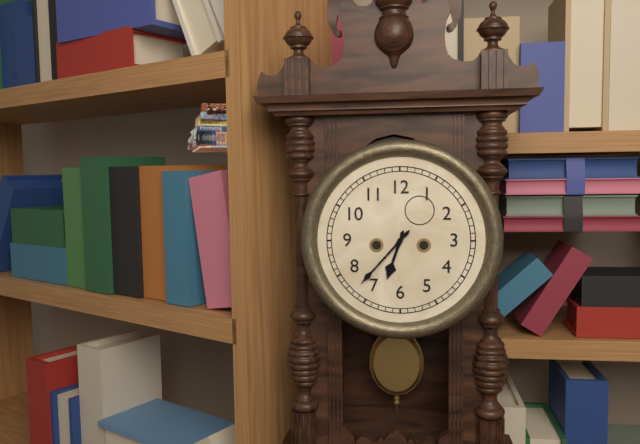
h=6 m=37
